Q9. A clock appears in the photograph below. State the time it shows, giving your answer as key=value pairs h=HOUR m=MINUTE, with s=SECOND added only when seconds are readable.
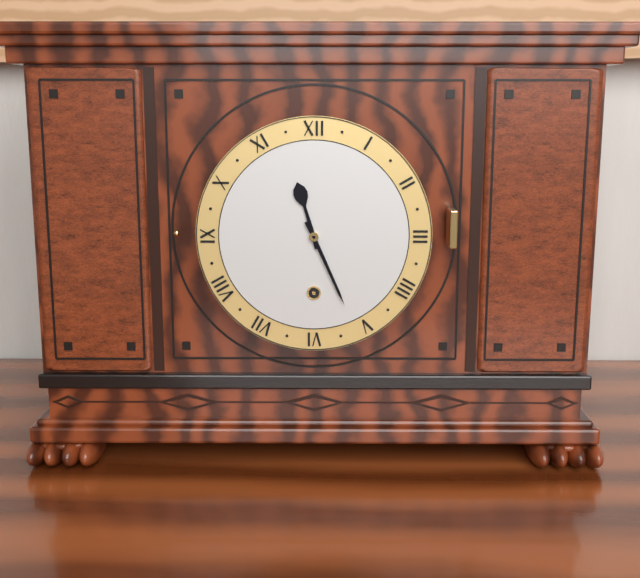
h=11 m=26
